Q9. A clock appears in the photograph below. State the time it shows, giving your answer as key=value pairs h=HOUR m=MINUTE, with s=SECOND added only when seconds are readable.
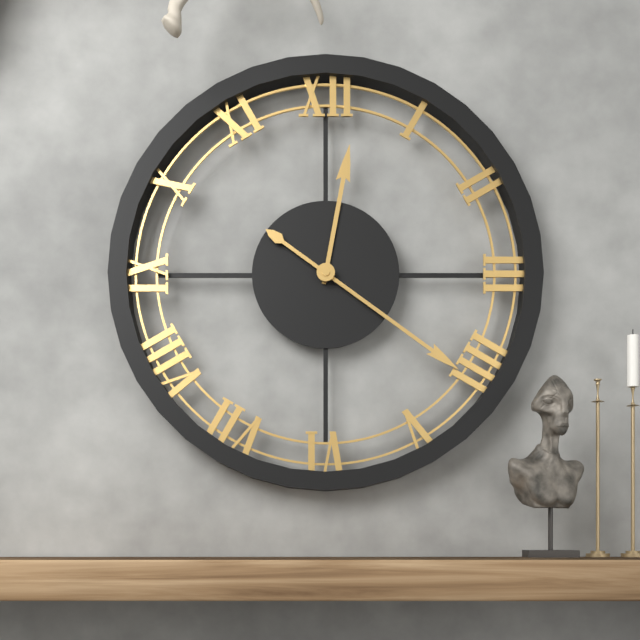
h=12 m=21
